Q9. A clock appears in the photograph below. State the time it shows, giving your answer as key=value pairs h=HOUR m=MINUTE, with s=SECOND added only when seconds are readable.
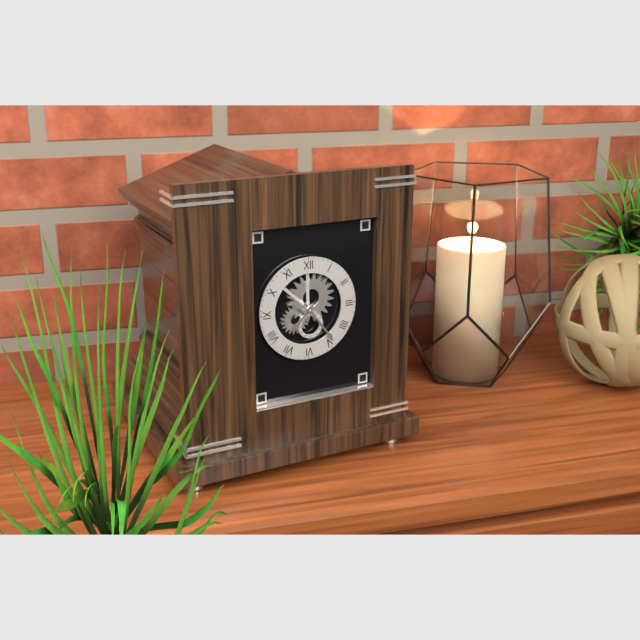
h=7 m=24
